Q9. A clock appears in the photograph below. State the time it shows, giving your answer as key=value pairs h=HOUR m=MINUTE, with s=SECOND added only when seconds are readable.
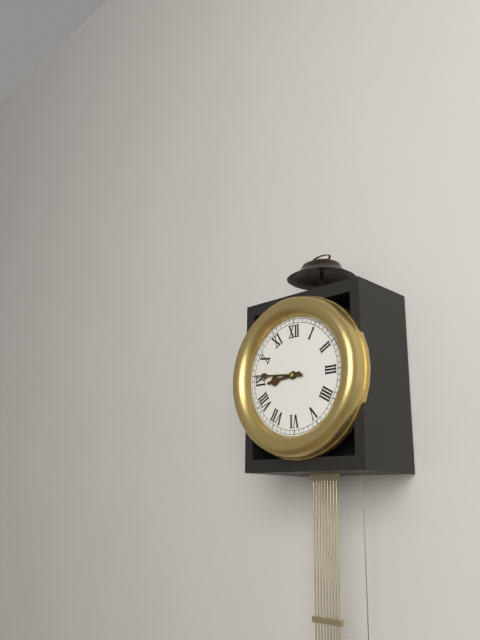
h=8 m=46
